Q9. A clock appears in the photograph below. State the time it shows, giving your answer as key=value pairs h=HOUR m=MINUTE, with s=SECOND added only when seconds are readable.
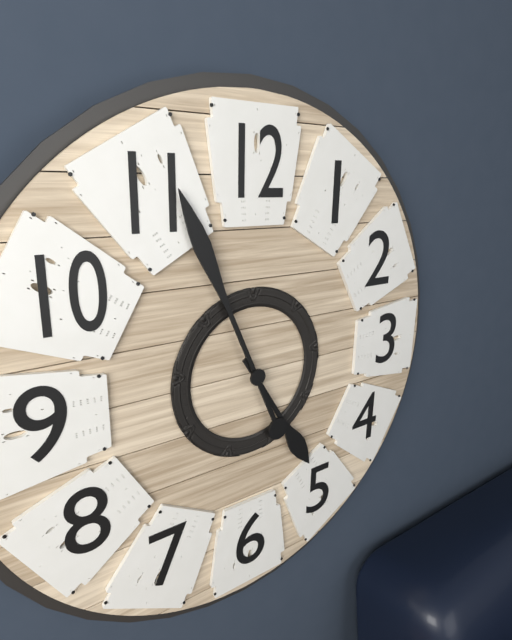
h=4 m=56
